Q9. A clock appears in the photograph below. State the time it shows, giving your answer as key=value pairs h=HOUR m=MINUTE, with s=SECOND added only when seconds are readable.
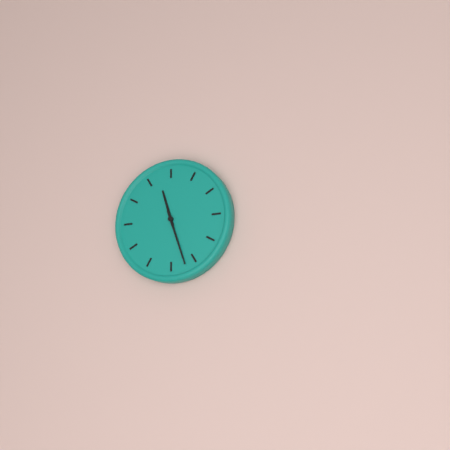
h=11 m=27
